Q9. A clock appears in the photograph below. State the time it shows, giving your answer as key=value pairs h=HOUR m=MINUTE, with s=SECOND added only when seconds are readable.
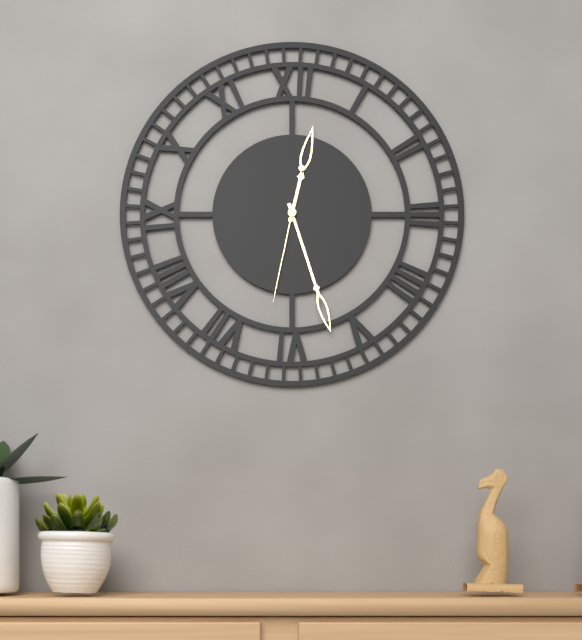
h=12 m=27 s=32
